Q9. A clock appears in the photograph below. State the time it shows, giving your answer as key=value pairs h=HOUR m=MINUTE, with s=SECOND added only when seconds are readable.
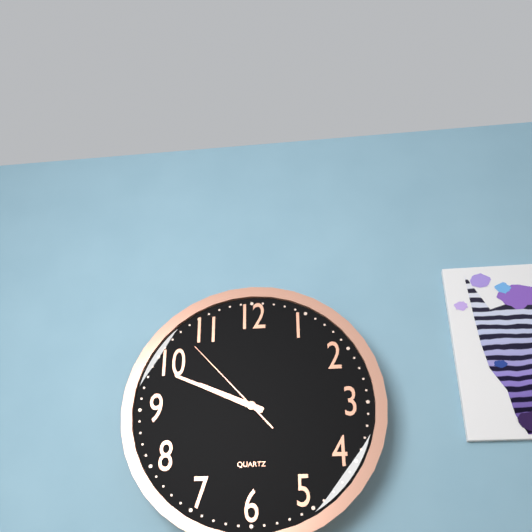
h=9 m=49 s=53
